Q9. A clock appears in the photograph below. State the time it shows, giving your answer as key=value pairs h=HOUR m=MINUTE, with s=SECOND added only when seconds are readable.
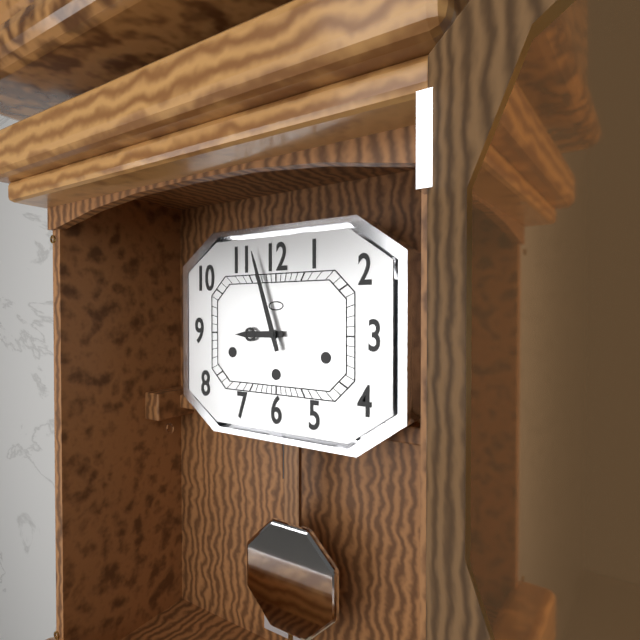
h=8 m=57
